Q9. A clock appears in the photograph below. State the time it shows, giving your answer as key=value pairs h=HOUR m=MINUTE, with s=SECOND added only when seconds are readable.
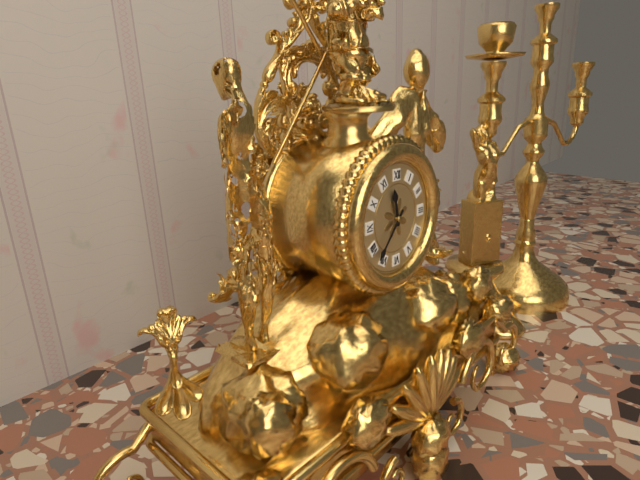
h=11 m=37
